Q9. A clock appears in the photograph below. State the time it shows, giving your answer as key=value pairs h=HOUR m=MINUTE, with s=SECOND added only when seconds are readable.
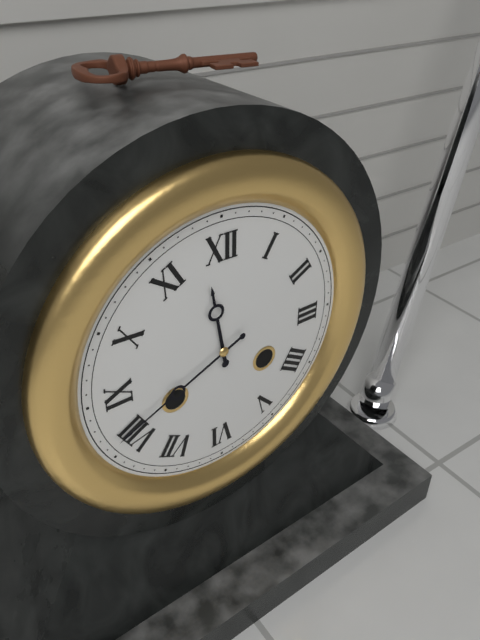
h=11 m=41
